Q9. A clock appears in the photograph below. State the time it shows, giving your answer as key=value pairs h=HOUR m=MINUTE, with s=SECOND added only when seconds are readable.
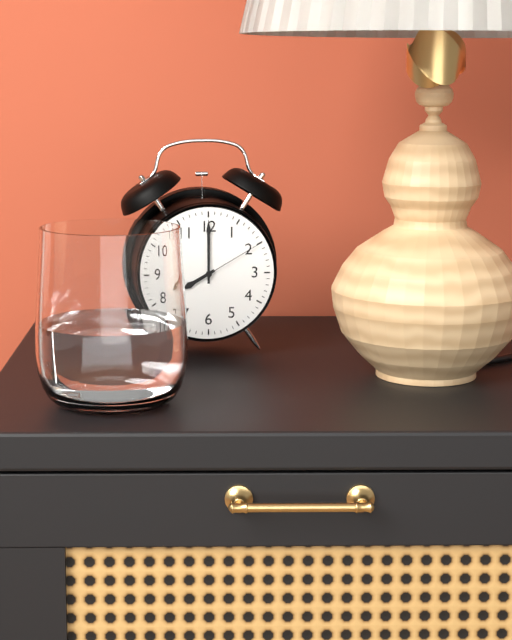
h=8 m=0 s=10
